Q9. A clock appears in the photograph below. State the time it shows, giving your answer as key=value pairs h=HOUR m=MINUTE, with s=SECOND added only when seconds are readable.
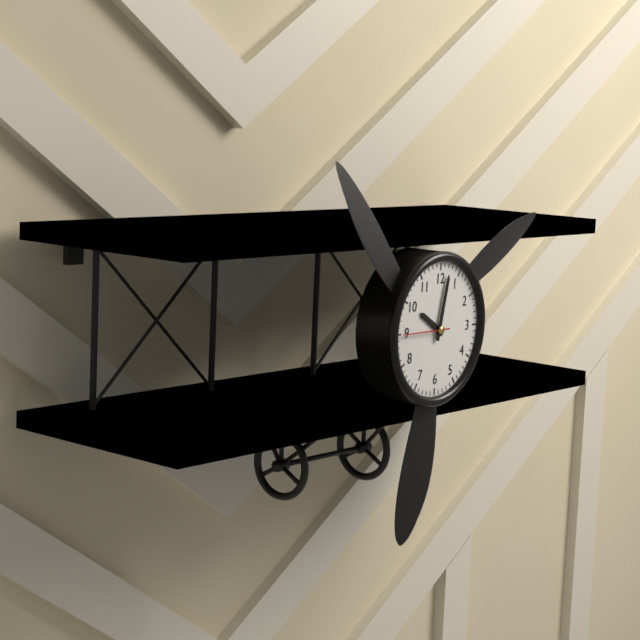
h=10 m=2
